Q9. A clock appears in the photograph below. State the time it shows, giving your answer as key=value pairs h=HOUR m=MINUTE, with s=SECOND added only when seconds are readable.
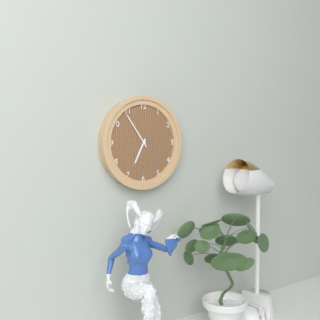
h=6 m=54
